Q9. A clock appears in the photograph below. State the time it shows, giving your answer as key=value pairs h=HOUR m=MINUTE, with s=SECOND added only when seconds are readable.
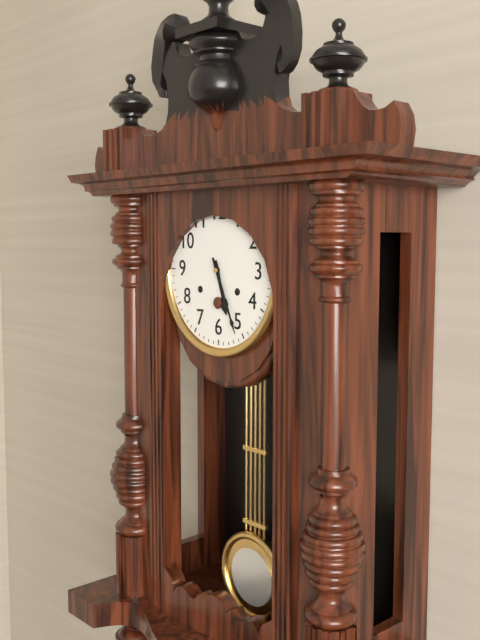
h=5 m=26
